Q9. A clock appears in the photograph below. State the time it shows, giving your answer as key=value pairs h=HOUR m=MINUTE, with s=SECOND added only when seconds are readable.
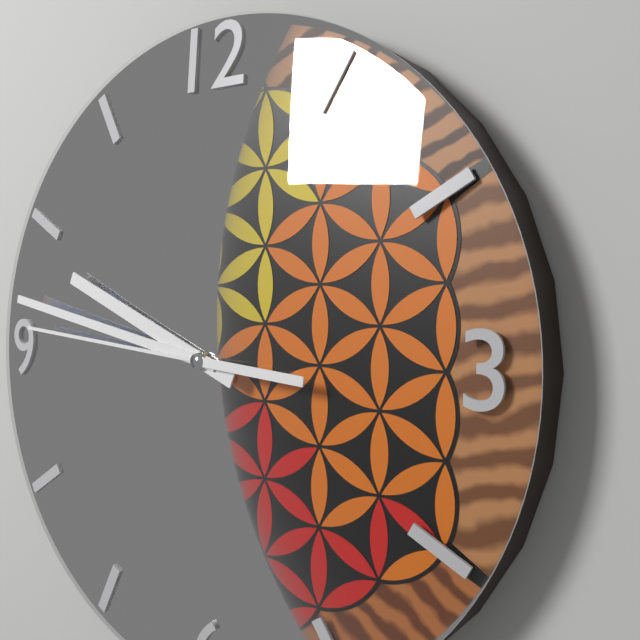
h=9 m=47 s=46
